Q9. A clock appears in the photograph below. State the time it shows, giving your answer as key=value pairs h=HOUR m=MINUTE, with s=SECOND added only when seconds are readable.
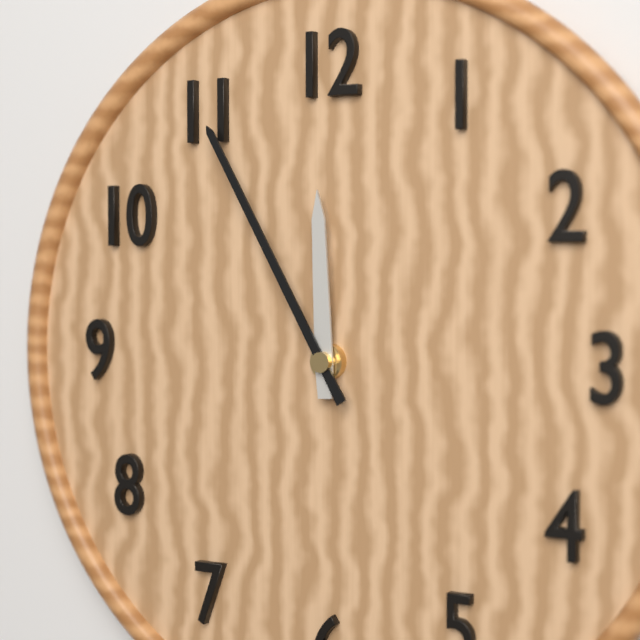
h=11 m=55
